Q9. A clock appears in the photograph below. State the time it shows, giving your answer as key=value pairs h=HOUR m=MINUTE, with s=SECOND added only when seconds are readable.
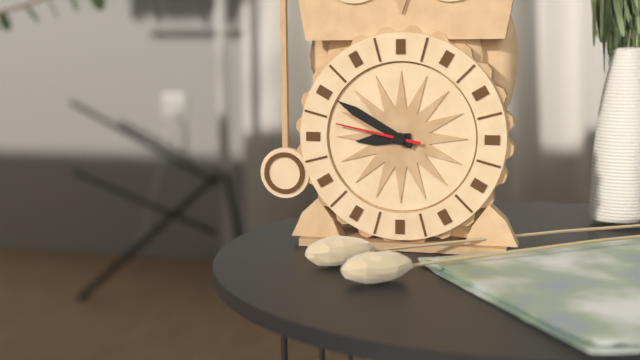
h=8 m=50 s=47
